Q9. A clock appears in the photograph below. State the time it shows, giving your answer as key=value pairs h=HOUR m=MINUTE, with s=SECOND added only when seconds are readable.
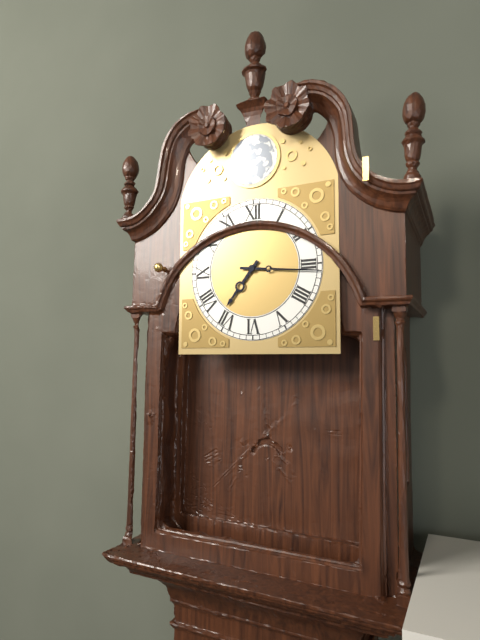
h=7 m=16
